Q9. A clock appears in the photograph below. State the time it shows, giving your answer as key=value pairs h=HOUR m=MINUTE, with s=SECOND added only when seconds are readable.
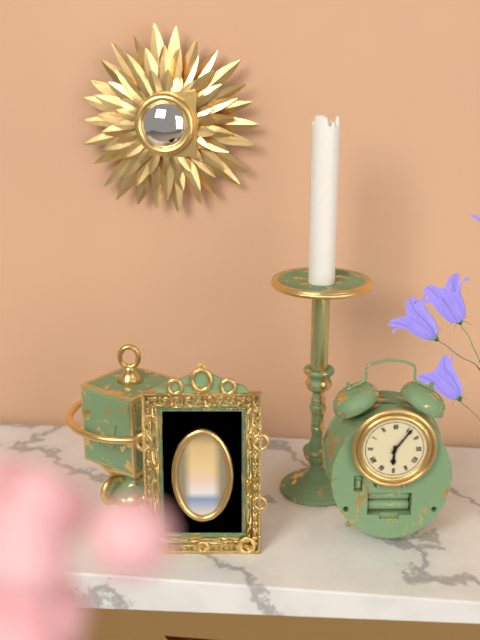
h=6 m=6
